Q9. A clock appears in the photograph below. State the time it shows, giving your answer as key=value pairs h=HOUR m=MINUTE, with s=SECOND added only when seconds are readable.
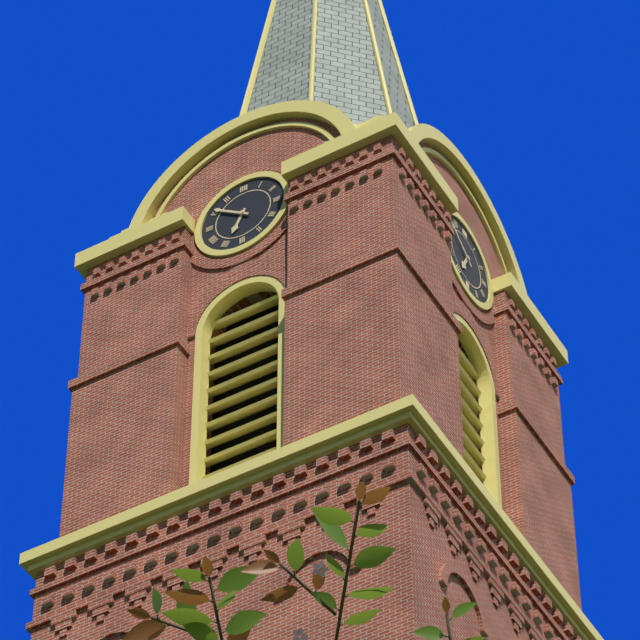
h=6 m=51
